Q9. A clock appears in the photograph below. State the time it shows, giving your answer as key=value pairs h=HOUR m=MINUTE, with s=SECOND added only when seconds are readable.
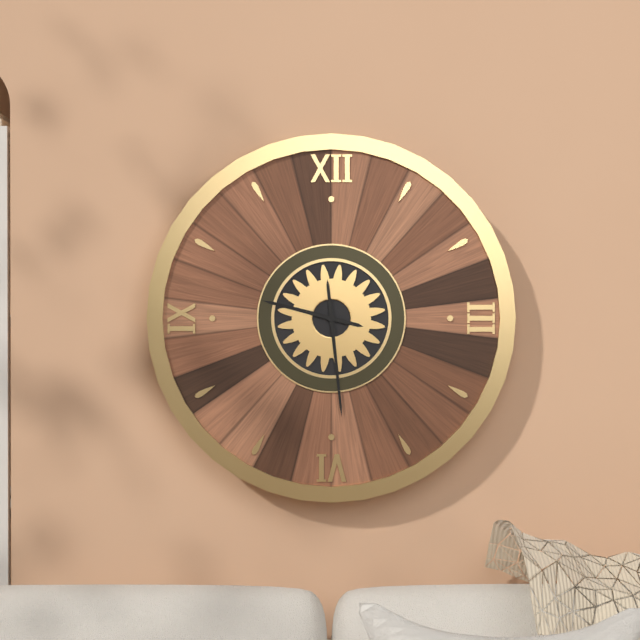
h=9 m=29
